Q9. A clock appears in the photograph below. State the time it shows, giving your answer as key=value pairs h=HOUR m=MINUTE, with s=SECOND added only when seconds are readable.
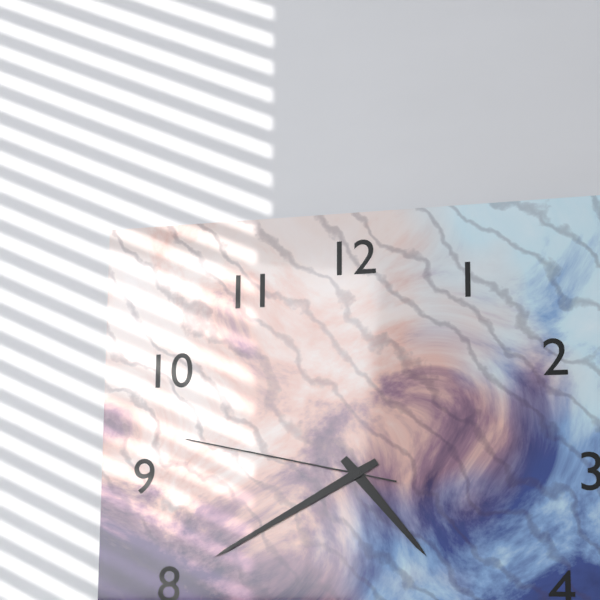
h=4 m=40 s=47
